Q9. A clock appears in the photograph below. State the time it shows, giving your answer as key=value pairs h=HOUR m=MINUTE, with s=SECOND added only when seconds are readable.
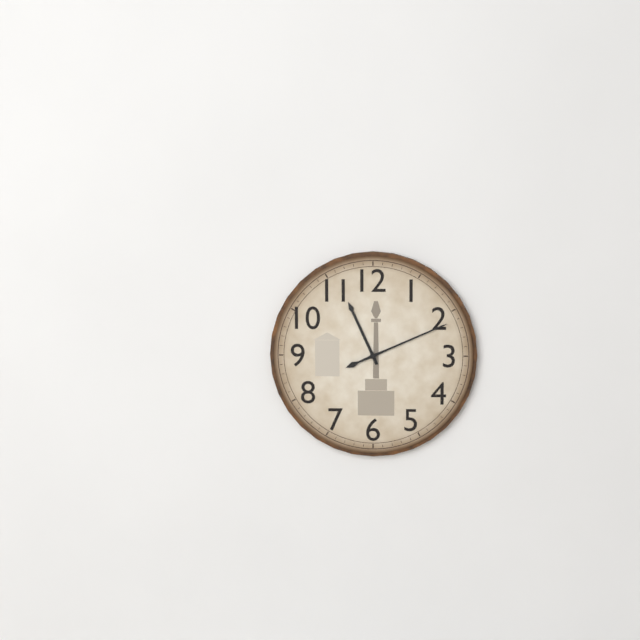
h=11 m=11
